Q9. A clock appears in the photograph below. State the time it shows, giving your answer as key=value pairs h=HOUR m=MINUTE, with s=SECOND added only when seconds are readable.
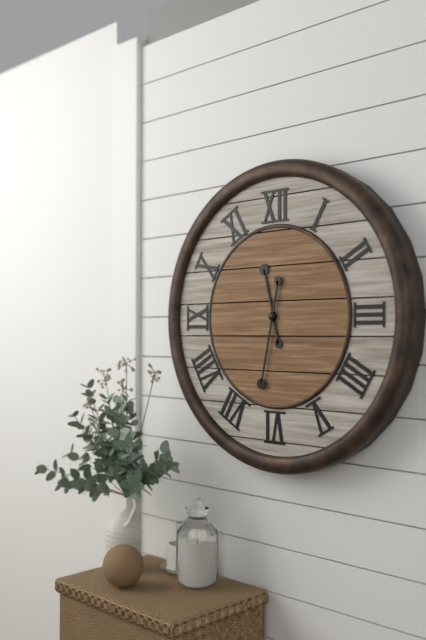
h=11 m=32
